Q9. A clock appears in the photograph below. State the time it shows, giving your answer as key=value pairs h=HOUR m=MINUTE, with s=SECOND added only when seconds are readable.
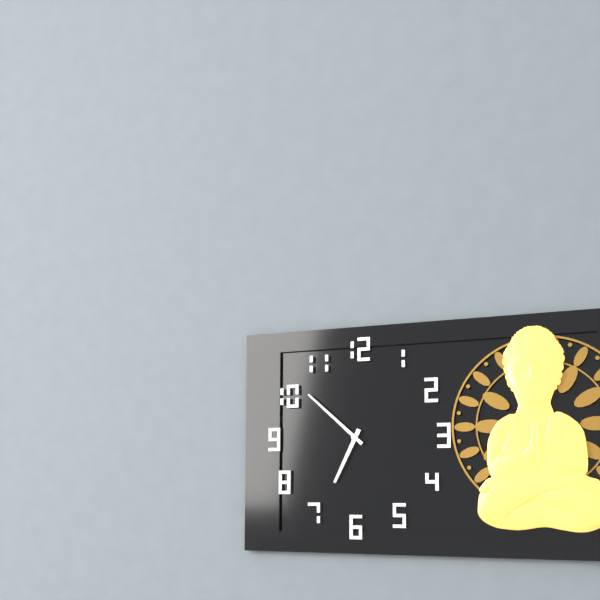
h=6 m=52
